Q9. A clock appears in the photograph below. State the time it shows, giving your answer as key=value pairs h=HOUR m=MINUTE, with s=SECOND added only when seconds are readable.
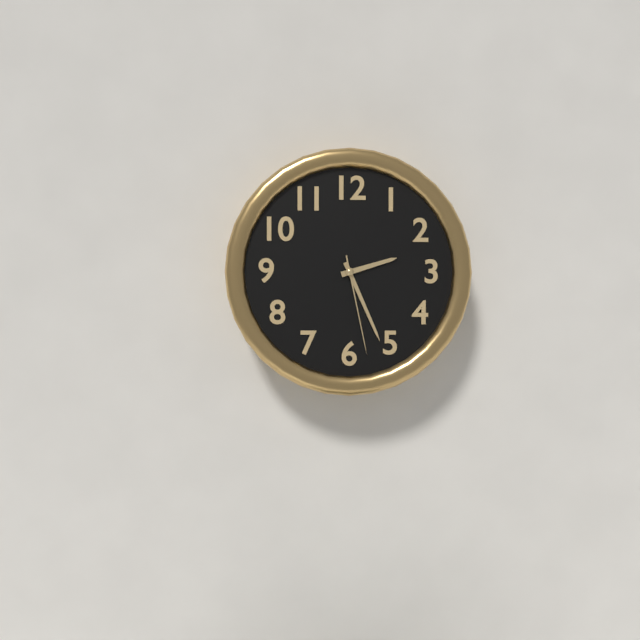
h=2 m=26 s=28
